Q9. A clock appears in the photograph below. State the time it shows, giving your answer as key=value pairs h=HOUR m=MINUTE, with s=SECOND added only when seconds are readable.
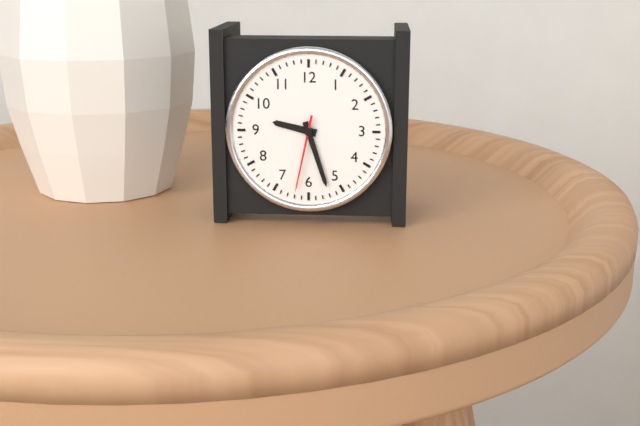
h=9 m=27 s=32
